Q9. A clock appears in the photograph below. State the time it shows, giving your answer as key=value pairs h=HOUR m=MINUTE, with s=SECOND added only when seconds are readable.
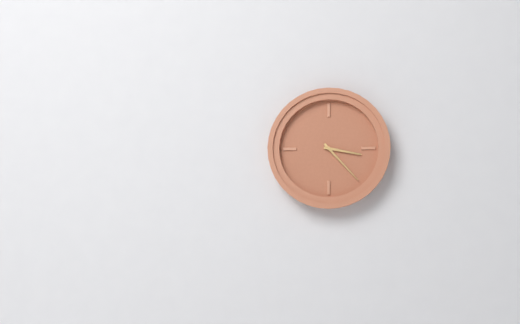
h=3 m=23
